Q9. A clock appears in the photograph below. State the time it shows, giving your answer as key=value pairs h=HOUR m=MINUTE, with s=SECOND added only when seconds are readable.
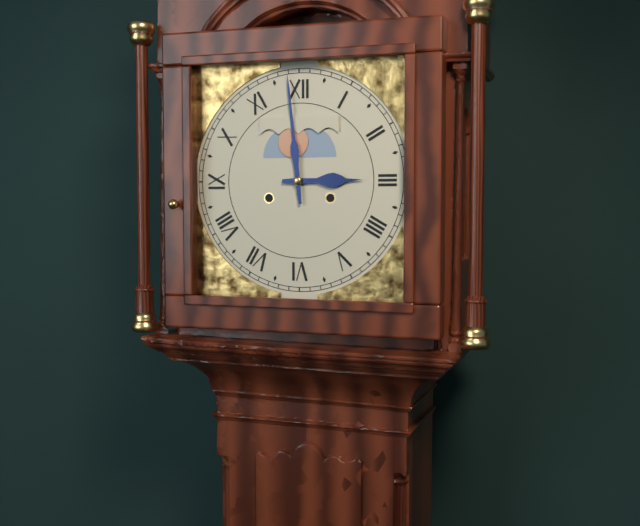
h=2 m=59
